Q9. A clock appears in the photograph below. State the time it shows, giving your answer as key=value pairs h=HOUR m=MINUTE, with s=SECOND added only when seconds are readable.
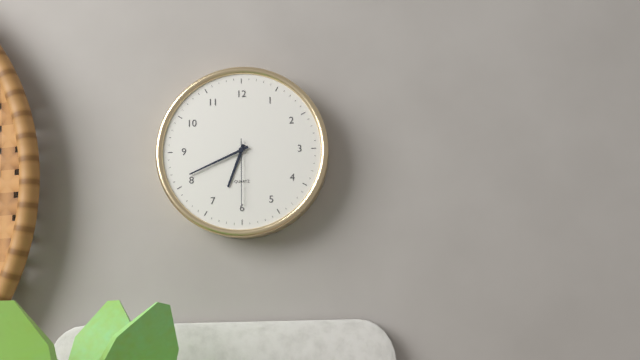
h=6 m=41 s=30
